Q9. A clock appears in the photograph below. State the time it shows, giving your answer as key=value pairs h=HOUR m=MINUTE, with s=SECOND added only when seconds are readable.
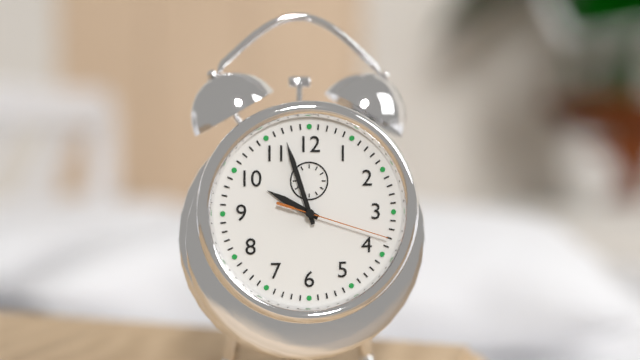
h=9 m=57 s=18
